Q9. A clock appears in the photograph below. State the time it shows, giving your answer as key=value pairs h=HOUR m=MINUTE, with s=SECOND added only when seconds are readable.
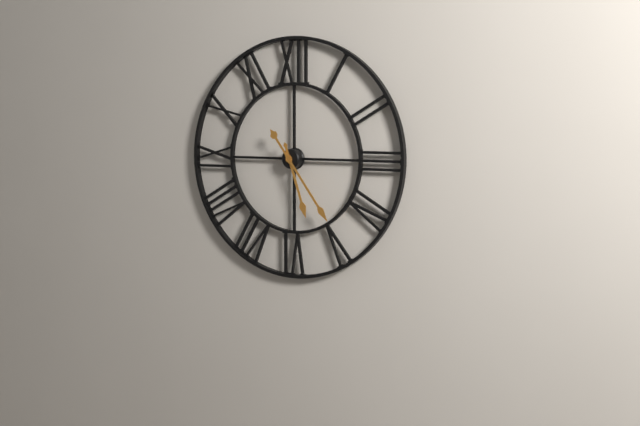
h=5 m=24
